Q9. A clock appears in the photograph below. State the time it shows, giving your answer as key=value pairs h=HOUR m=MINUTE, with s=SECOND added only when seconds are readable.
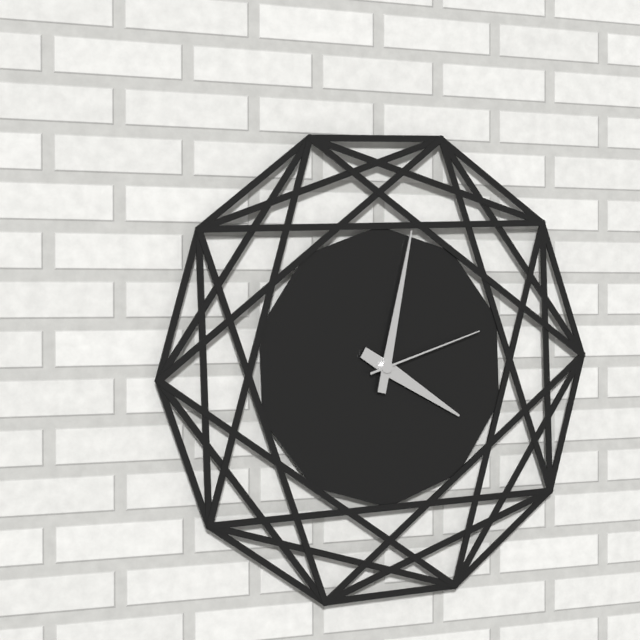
h=4 m=2 s=12
